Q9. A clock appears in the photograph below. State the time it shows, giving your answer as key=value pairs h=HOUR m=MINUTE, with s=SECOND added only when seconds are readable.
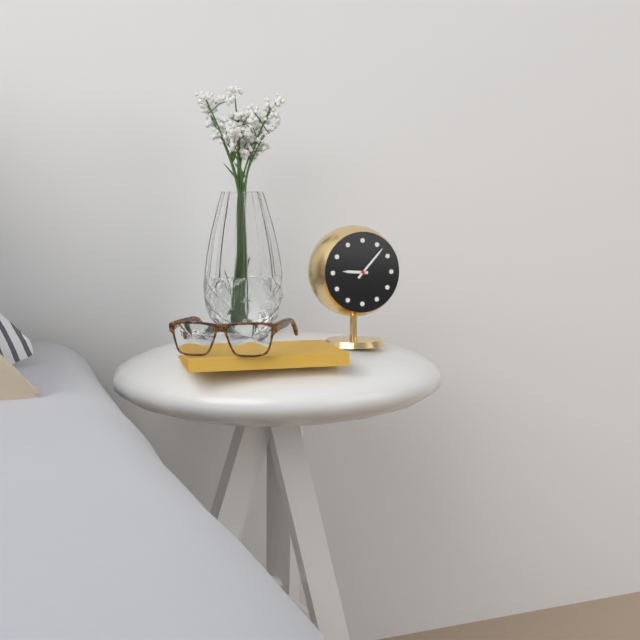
h=9 m=7
